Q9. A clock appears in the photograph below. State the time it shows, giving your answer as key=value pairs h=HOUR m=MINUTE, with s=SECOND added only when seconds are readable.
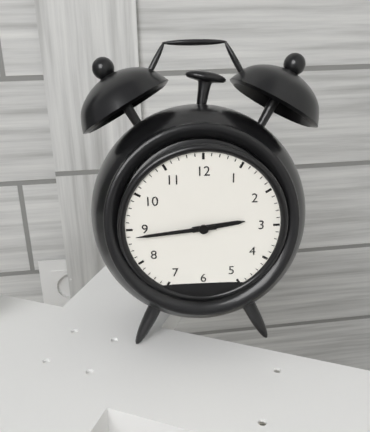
h=2 m=44
